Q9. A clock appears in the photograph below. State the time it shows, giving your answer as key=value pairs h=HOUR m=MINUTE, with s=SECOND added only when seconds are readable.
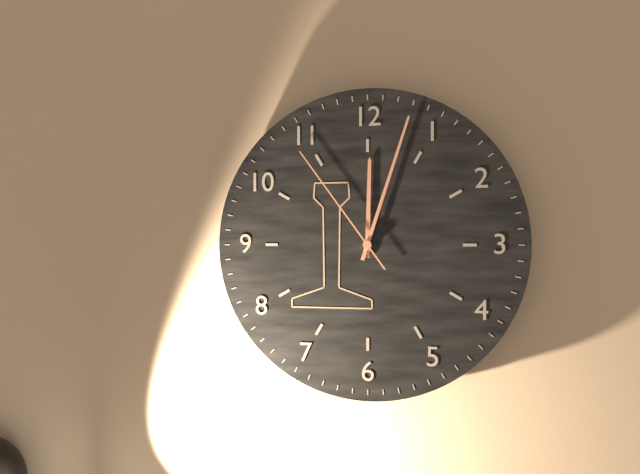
h=12 m=3 s=54
